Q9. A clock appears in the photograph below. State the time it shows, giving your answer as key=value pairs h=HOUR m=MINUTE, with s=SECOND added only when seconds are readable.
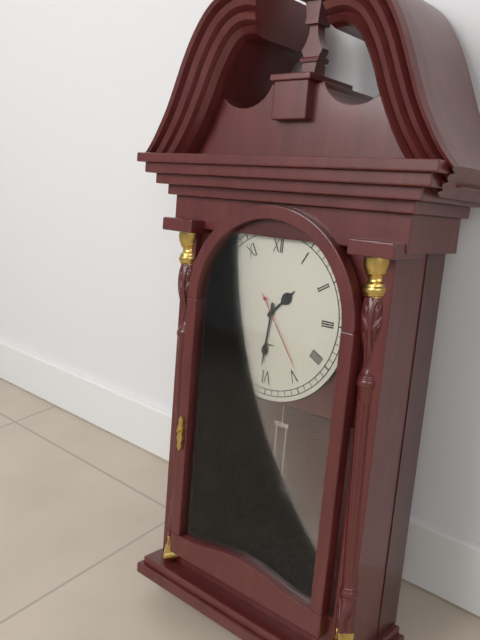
h=1 m=31 s=24
